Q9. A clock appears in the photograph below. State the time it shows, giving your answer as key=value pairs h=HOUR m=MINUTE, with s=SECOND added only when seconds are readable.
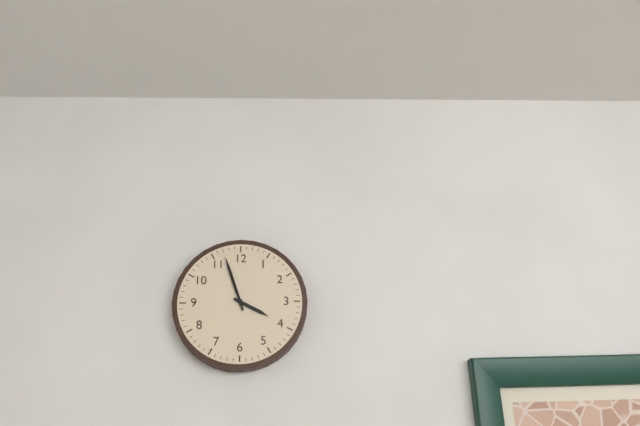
h=3 m=57
